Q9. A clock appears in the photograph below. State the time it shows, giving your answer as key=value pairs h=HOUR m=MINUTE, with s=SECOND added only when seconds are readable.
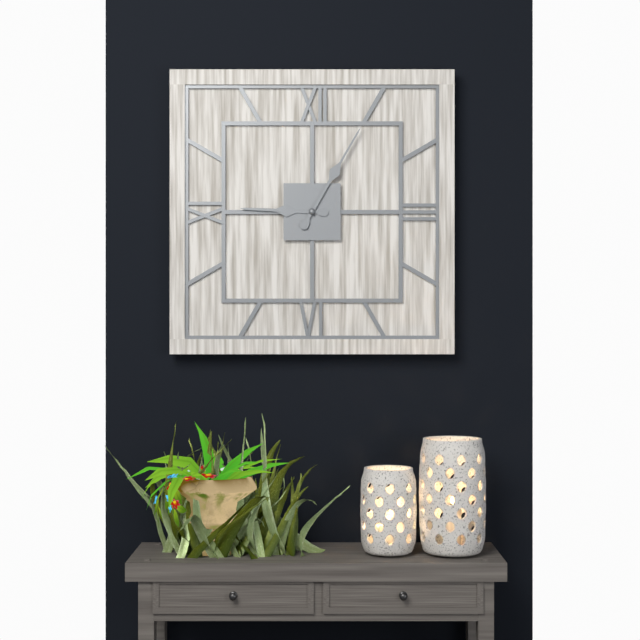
h=9 m=5
